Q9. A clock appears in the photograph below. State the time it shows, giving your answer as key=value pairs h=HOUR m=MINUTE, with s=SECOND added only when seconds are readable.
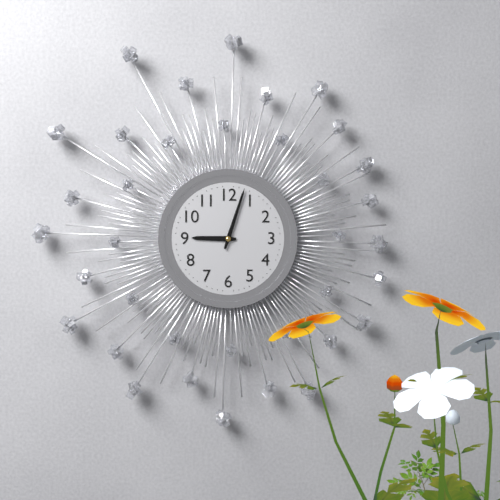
h=9 m=3
